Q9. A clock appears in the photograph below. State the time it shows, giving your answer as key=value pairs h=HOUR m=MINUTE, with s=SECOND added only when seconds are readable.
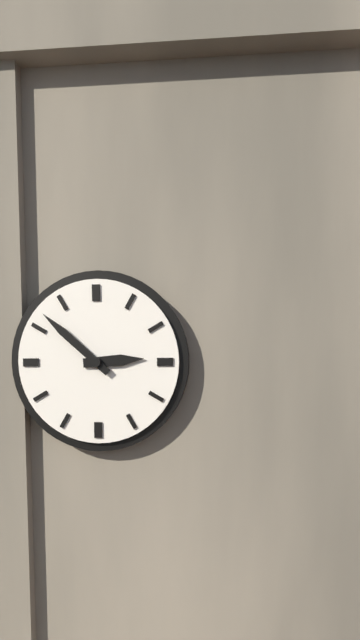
h=2 m=52
